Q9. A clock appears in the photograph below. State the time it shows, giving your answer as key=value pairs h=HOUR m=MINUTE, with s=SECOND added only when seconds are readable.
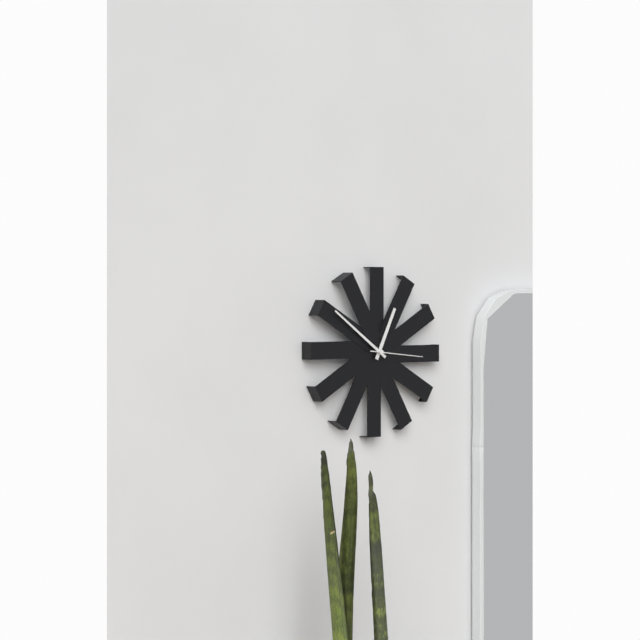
h=12 m=51 s=16
